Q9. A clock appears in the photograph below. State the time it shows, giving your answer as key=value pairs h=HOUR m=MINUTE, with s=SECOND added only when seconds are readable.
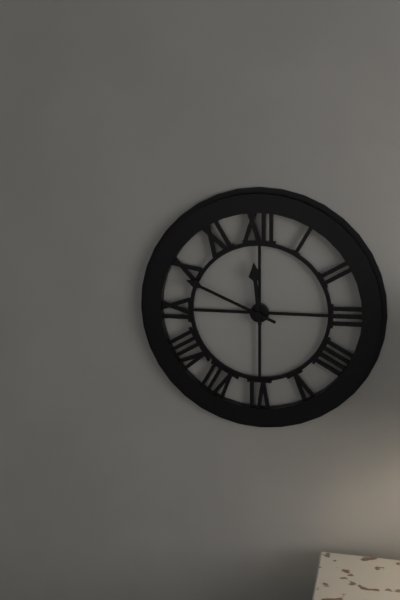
h=11 m=49
